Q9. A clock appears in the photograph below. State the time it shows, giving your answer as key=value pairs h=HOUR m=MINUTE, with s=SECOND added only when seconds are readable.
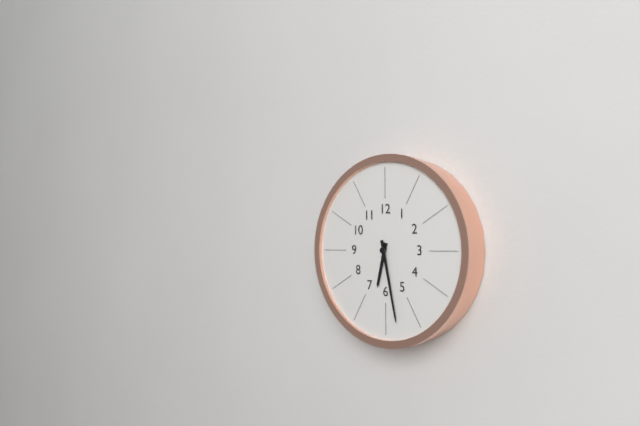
h=6 m=28
